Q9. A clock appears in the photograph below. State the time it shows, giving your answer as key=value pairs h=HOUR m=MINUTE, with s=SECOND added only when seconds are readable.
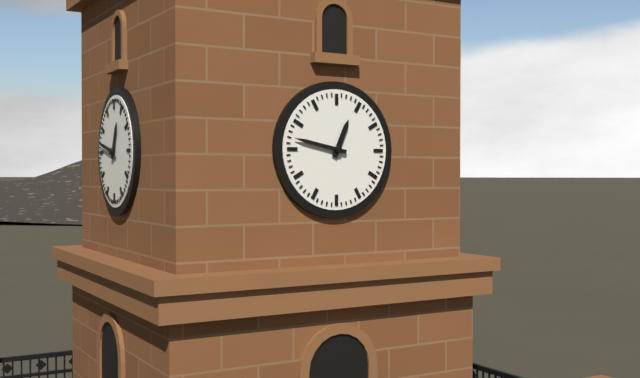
h=12 m=47
